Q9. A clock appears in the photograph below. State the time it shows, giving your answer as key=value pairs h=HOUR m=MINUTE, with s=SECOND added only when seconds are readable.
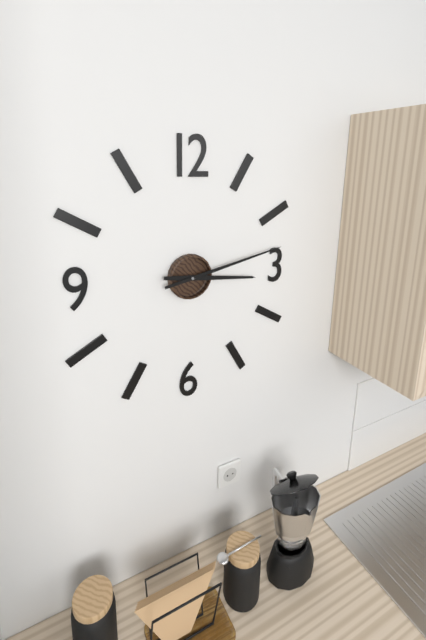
h=3 m=13
